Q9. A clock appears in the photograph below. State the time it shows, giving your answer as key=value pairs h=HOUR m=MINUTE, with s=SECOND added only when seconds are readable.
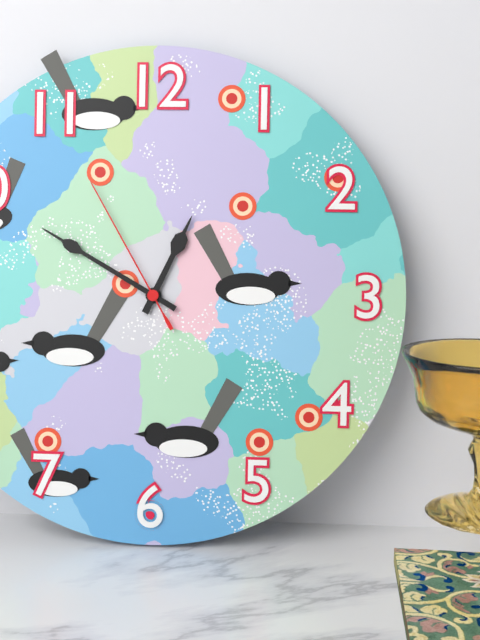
h=12 m=50 s=55
